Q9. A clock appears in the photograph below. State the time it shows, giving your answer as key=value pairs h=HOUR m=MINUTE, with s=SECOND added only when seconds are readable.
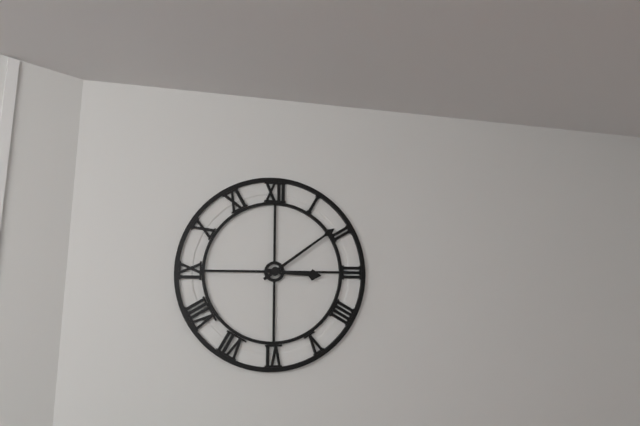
h=3 m=9
